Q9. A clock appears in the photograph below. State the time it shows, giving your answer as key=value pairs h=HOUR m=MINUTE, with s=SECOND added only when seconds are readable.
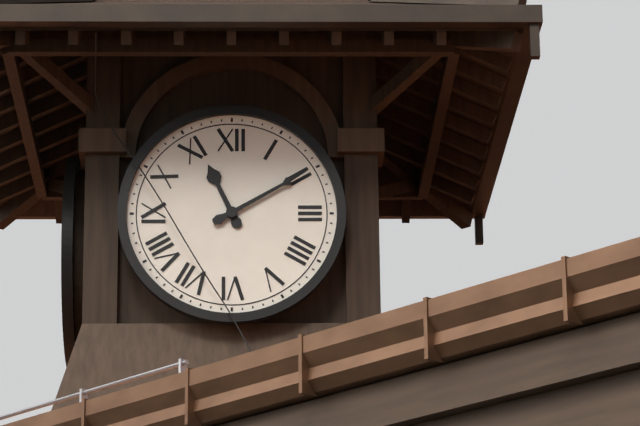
h=11 m=10
